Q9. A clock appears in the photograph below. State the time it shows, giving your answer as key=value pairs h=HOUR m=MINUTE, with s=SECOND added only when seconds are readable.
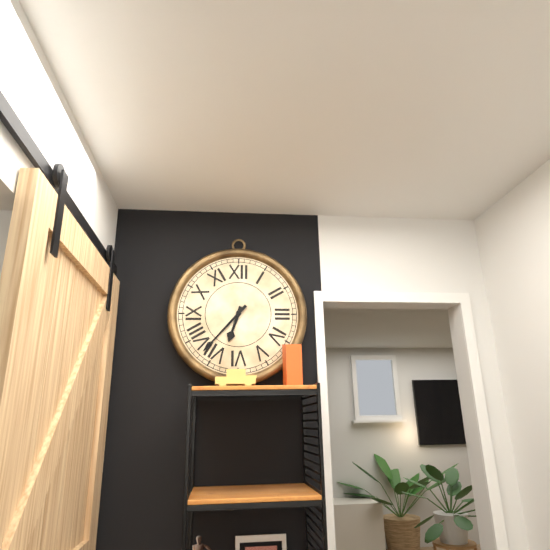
h=6 m=37
